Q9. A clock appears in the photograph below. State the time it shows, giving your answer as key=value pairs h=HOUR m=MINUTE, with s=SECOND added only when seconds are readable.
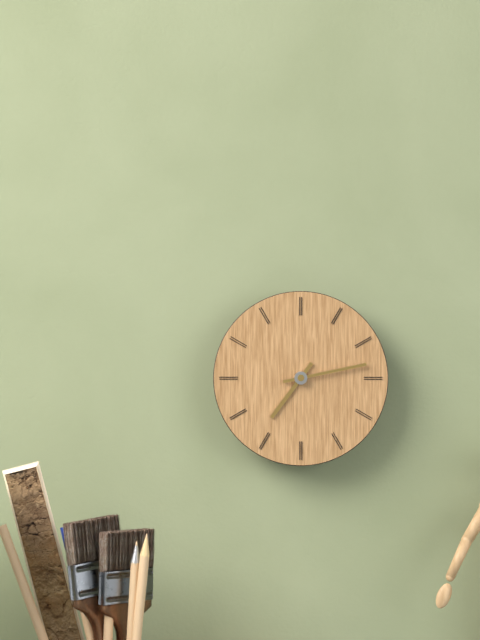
h=7 m=13
